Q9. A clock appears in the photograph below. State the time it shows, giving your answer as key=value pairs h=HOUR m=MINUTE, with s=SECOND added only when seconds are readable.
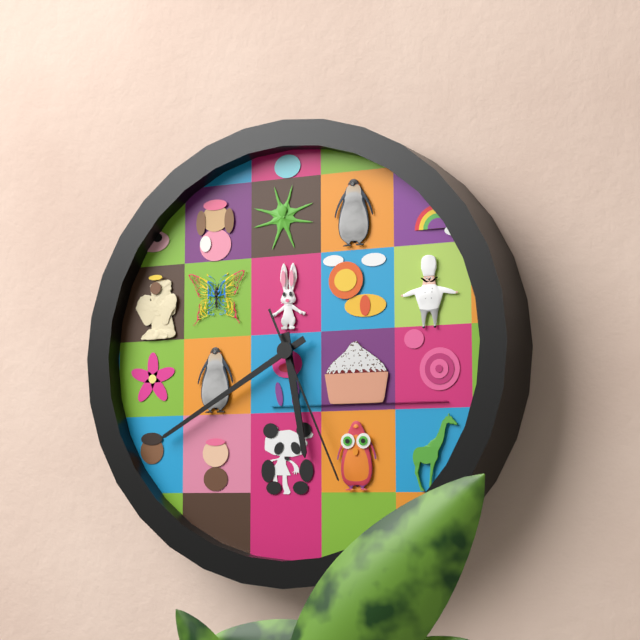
h=5 m=40 s=26
